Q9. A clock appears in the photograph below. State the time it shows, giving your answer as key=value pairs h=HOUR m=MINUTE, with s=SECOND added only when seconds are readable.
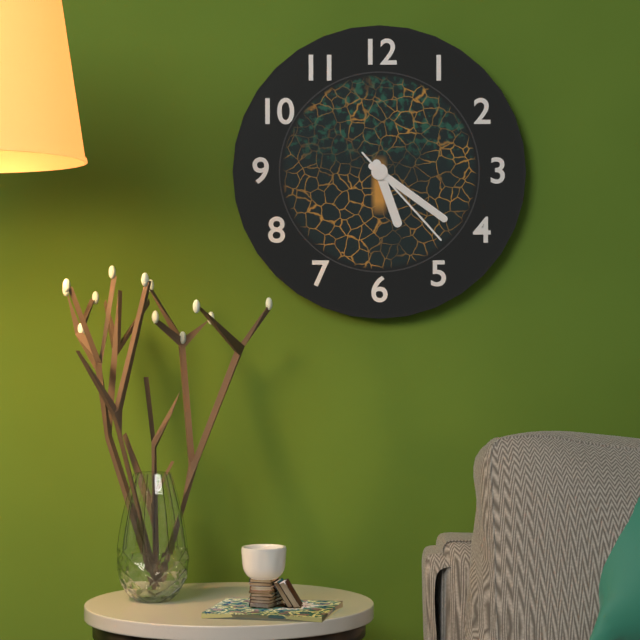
h=5 m=21 s=23
